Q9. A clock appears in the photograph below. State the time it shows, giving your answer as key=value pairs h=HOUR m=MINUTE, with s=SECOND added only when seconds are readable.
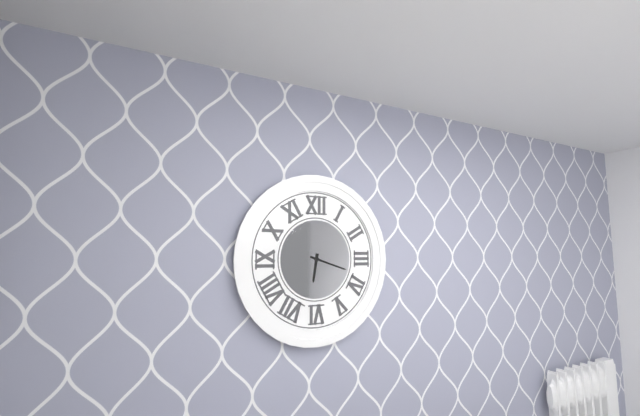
h=6 m=18
